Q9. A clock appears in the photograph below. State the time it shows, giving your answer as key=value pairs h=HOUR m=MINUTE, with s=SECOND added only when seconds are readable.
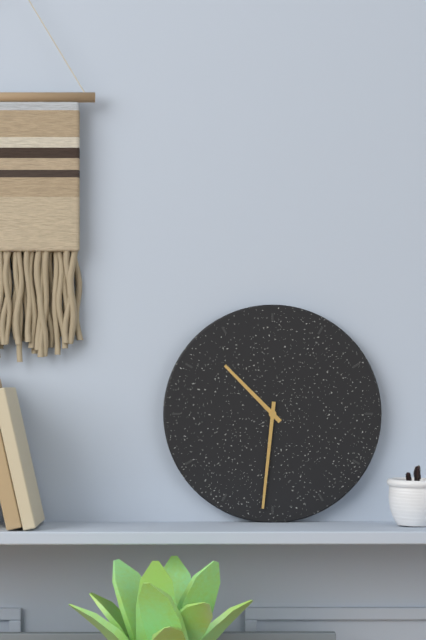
h=10 m=31
